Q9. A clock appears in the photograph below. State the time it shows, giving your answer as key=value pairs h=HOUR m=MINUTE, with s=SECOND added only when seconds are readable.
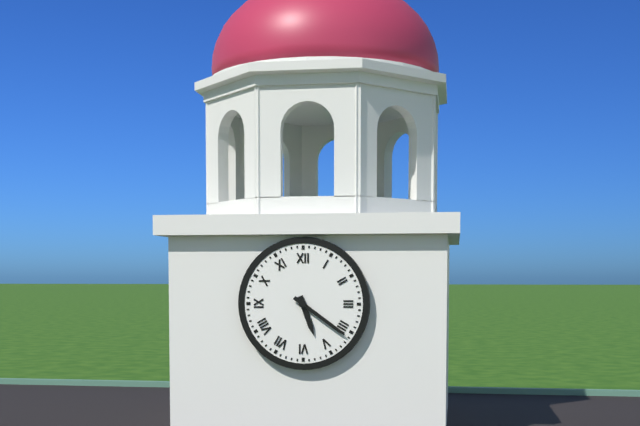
h=5 m=21
